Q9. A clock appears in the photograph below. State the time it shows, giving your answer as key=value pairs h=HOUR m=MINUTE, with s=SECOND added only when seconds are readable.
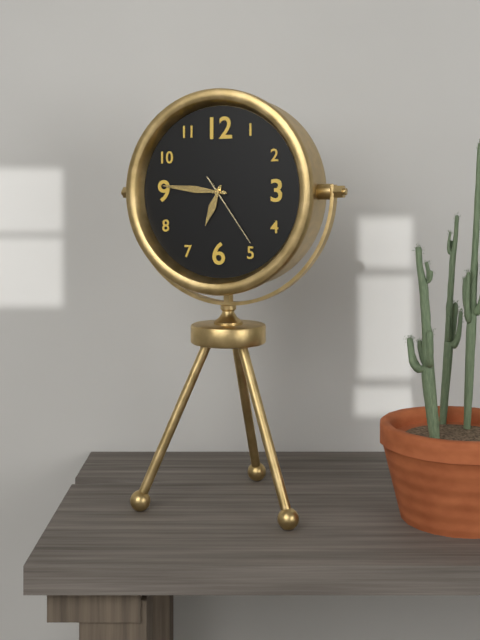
h=6 m=46 s=24
